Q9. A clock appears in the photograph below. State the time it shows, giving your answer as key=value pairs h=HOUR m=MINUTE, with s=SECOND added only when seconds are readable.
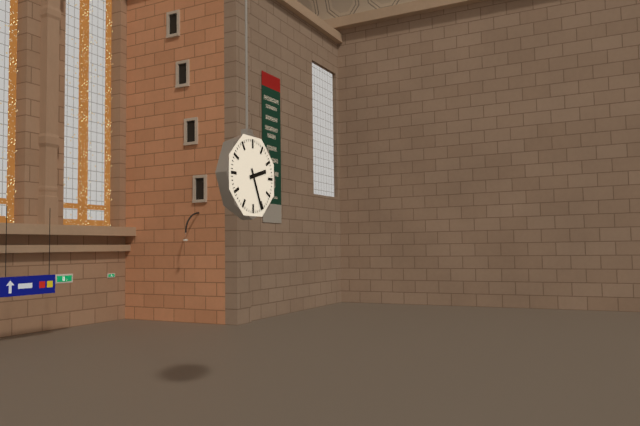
h=2 m=26
